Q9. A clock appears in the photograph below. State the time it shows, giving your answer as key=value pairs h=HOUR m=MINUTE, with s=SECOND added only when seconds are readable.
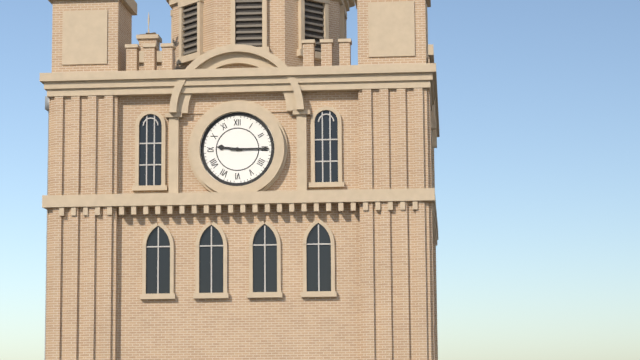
h=9 m=15
